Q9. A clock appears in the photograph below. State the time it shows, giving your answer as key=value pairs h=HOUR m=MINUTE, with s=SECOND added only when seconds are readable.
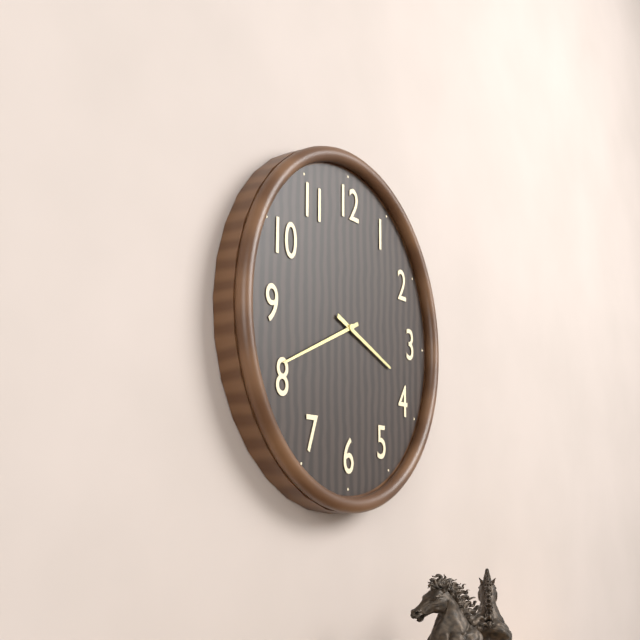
h=3 m=41
